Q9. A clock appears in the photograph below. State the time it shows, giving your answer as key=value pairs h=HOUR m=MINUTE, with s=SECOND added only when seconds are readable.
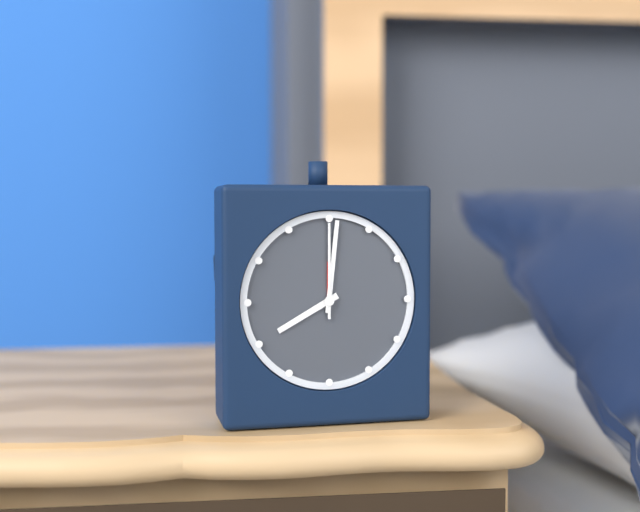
h=8 m=1 s=0
